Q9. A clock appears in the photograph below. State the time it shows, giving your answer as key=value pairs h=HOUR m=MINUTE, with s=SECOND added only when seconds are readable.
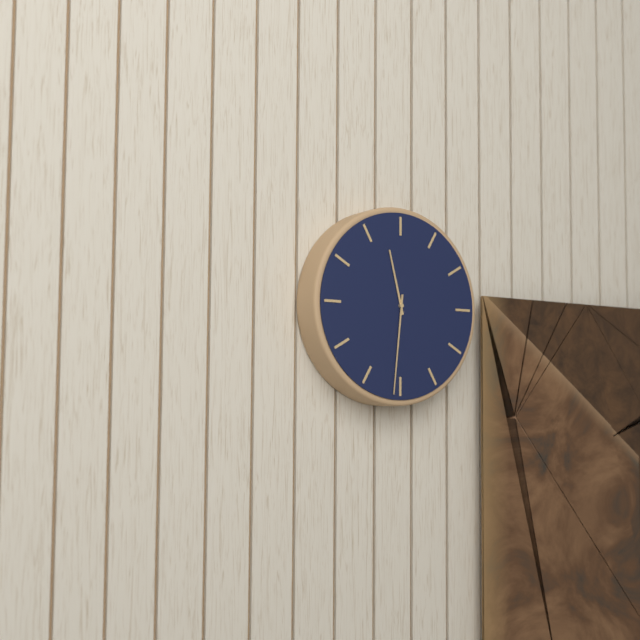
h=11 m=31
